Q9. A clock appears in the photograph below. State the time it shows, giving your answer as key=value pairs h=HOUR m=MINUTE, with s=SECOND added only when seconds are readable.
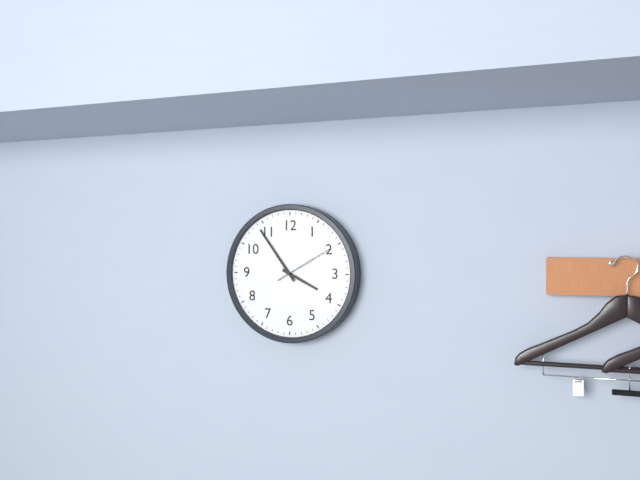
h=3 m=54 s=10
